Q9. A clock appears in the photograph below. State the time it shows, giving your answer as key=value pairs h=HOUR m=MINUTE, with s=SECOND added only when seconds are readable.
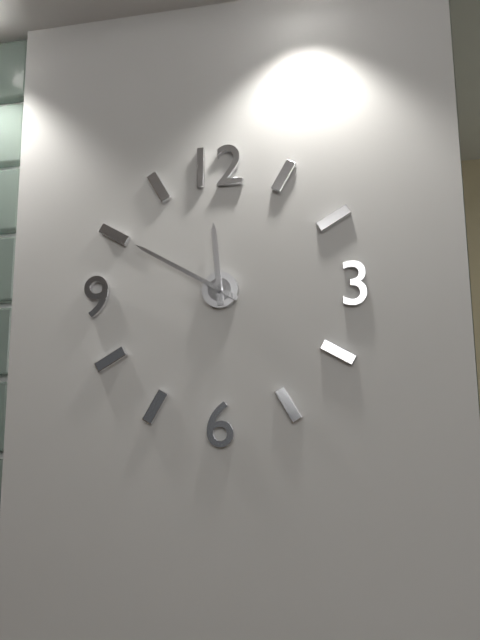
h=11 m=50
